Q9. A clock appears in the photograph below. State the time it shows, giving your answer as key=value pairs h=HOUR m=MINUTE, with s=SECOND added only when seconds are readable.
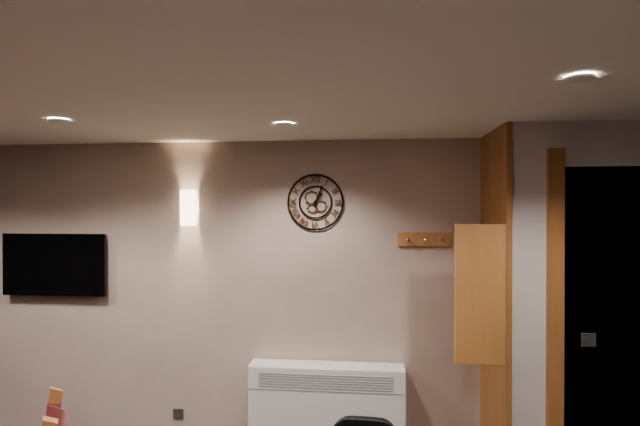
h=1 m=4
